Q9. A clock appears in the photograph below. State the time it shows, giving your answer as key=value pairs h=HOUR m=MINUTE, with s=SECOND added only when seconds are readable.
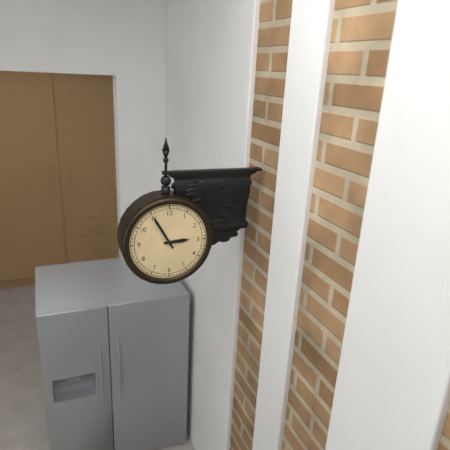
h=2 m=55
